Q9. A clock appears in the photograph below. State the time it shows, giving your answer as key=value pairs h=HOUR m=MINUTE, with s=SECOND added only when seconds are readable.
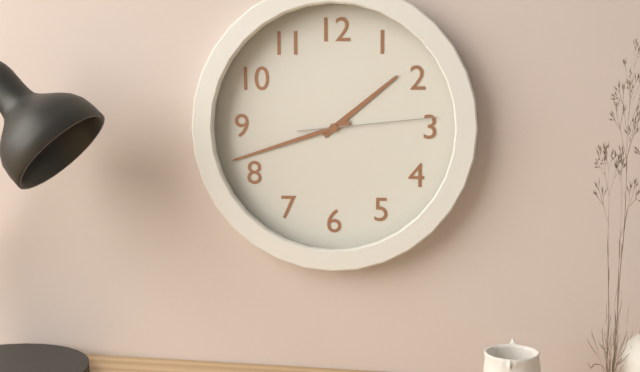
h=1 m=42 s=14
